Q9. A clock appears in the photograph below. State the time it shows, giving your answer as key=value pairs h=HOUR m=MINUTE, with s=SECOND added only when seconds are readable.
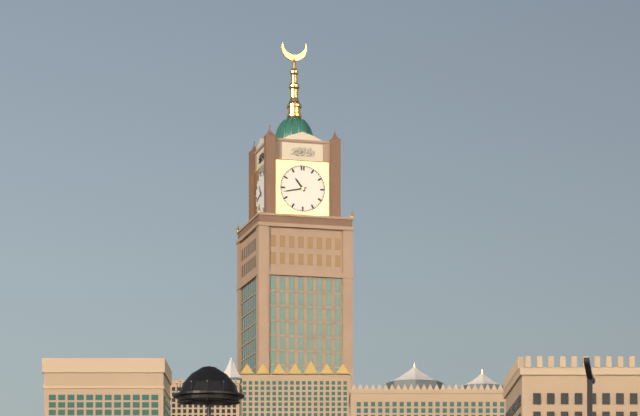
h=10 m=43
